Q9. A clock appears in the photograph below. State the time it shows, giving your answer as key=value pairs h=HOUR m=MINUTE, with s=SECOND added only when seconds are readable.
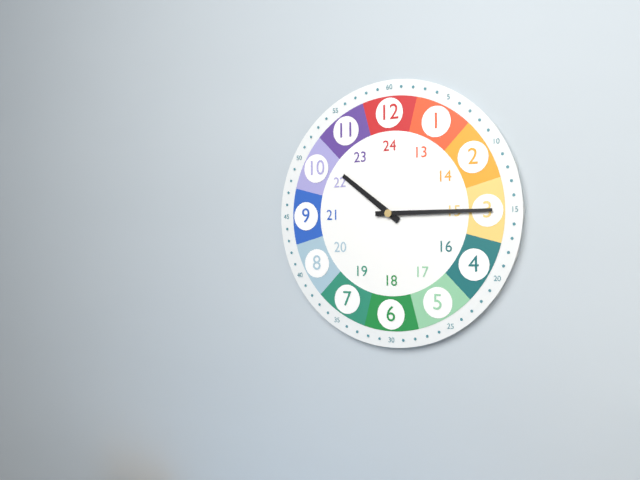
h=10 m=15
